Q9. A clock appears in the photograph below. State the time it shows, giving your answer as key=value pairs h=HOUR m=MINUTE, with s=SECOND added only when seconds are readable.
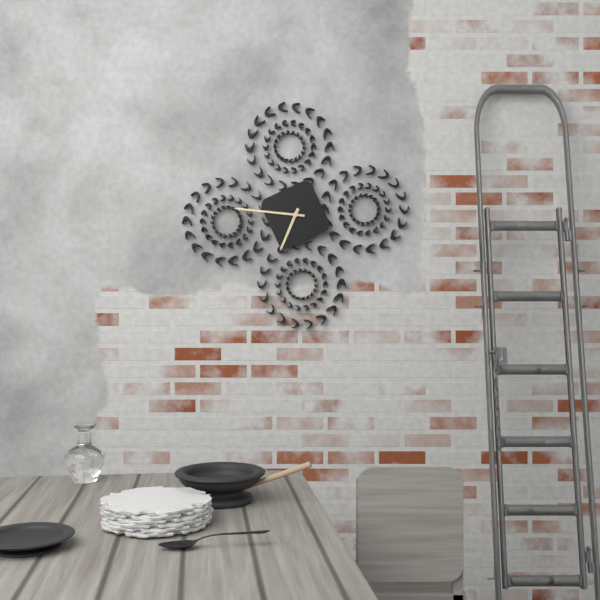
h=6 m=46
